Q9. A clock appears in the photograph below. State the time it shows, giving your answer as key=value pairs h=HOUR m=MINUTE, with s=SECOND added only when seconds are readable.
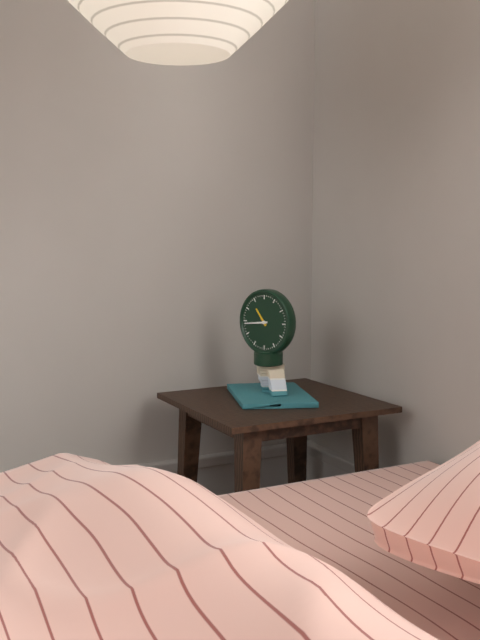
h=10 m=44
